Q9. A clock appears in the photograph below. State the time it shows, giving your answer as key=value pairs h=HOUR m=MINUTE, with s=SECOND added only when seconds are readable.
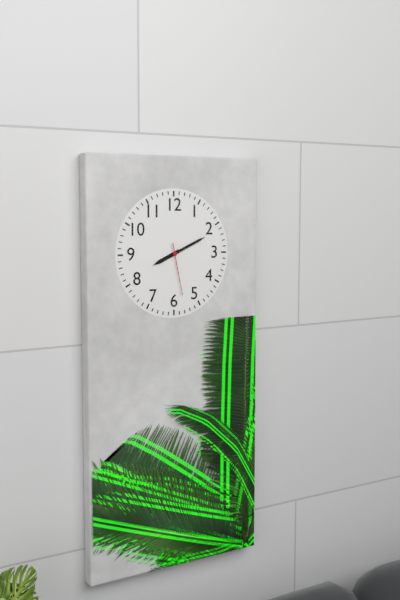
h=8 m=11 s=28
